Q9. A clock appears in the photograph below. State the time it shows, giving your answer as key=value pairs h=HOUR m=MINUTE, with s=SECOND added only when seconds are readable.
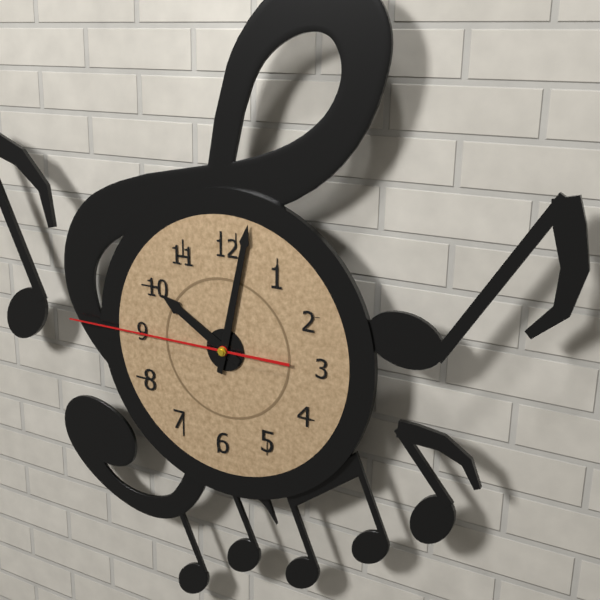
h=10 m=2 s=45
